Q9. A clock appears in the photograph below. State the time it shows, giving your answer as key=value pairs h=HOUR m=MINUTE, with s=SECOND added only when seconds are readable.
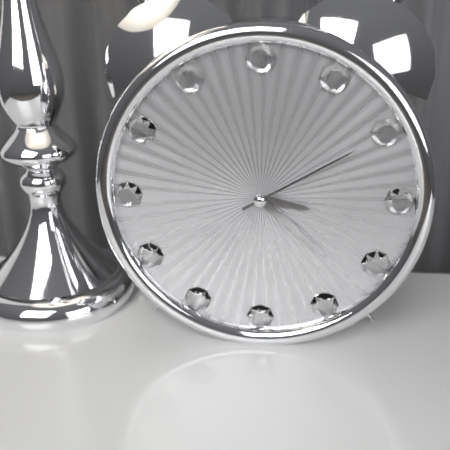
h=3 m=22 s=10
